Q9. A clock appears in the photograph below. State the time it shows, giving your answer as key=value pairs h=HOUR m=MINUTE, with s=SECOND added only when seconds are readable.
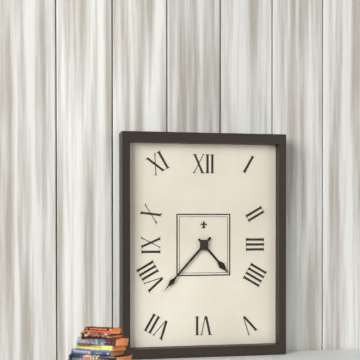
h=4 m=37
